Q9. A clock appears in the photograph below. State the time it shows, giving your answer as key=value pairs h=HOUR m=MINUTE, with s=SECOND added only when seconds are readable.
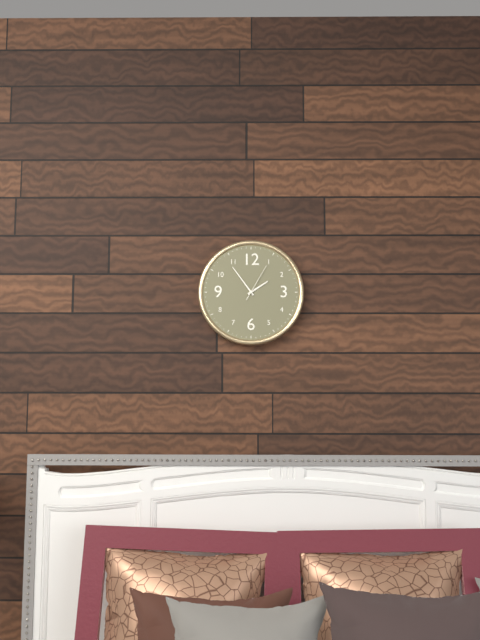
h=1 m=54
